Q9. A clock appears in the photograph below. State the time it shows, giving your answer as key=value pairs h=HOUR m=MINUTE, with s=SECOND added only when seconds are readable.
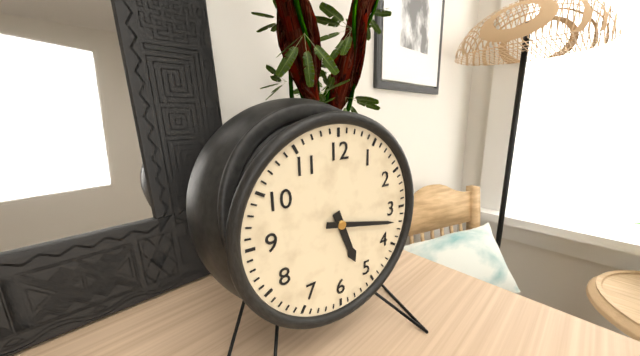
h=5 m=17
